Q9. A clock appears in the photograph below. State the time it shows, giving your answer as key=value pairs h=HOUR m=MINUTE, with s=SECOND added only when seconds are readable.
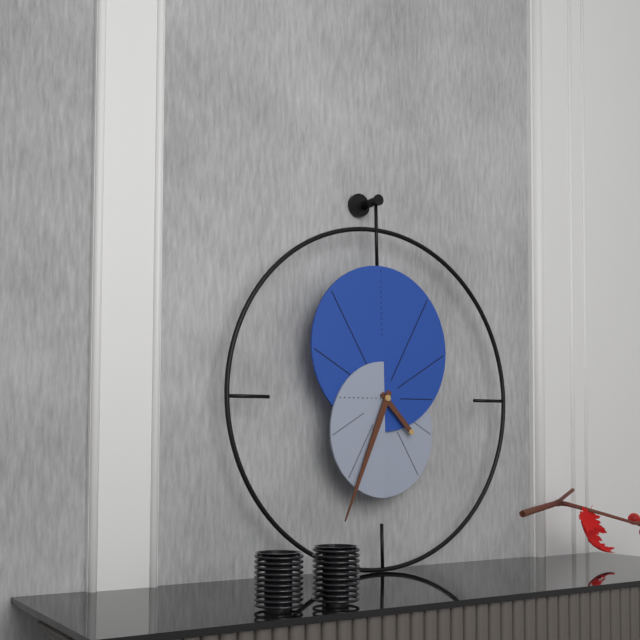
h=4 m=34
